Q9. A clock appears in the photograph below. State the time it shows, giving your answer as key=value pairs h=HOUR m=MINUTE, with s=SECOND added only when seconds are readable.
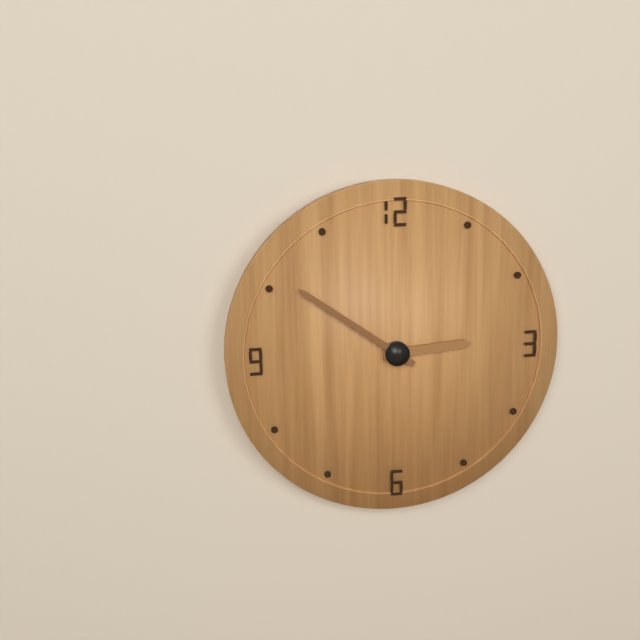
h=2 m=51
